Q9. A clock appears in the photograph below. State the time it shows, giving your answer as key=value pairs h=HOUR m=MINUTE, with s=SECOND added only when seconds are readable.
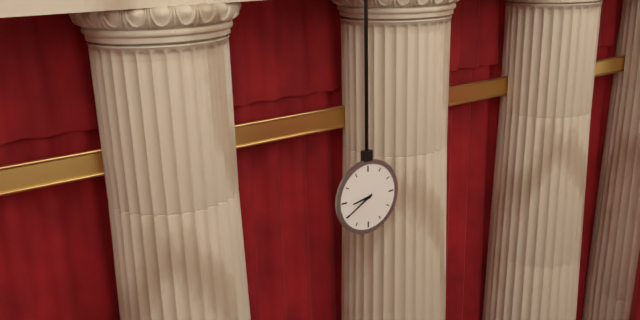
h=8 m=40
